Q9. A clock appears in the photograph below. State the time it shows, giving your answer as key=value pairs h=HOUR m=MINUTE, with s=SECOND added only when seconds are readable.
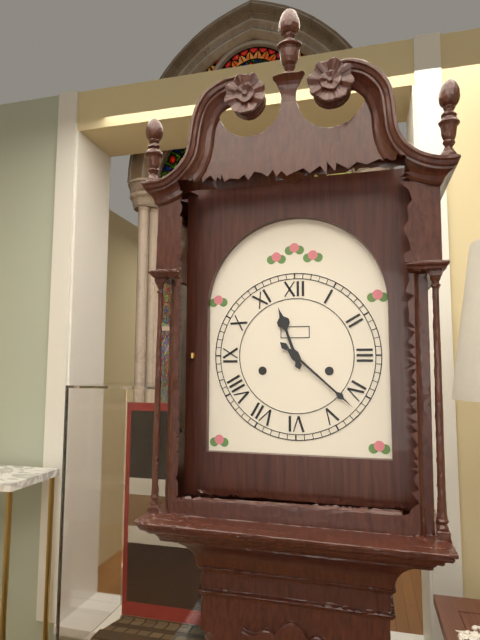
h=11 m=22
